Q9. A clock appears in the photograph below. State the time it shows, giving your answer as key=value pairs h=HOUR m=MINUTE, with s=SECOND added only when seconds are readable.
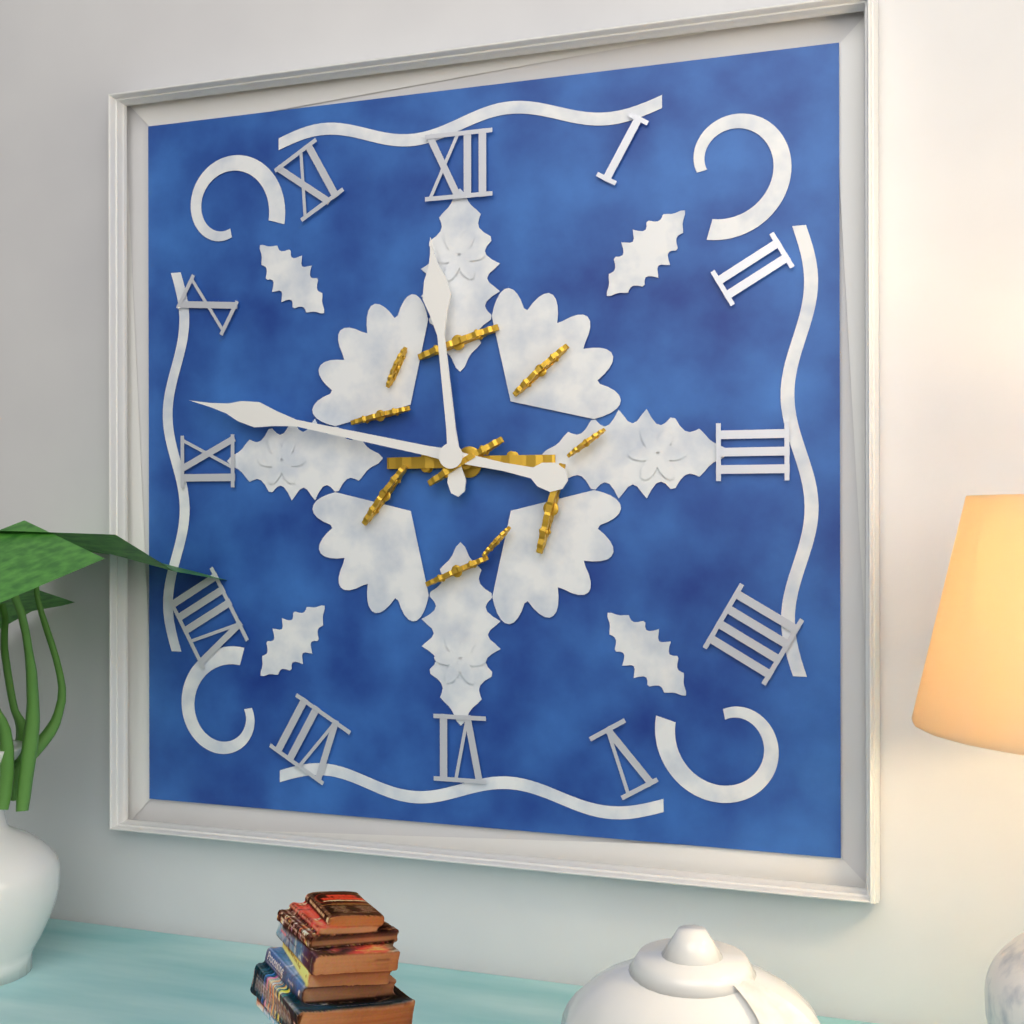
h=11 m=47
